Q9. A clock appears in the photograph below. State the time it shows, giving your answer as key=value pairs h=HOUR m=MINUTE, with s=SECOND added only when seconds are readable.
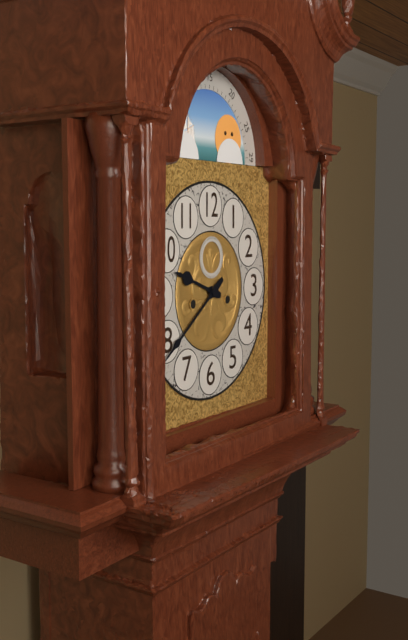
h=9 m=39
